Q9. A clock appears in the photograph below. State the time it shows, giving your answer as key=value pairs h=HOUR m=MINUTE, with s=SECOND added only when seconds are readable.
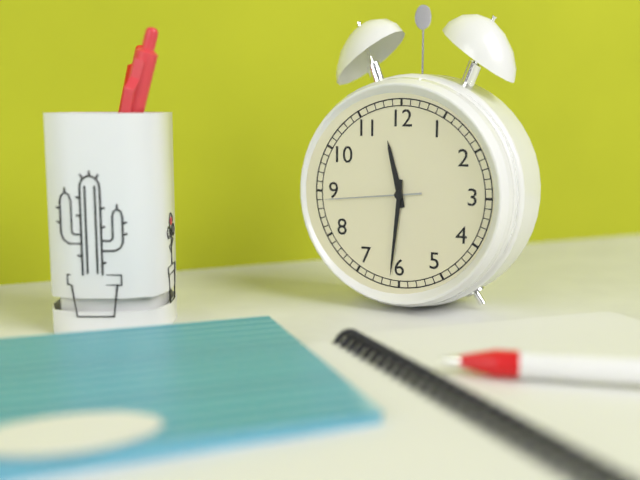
h=11 m=31 s=44
